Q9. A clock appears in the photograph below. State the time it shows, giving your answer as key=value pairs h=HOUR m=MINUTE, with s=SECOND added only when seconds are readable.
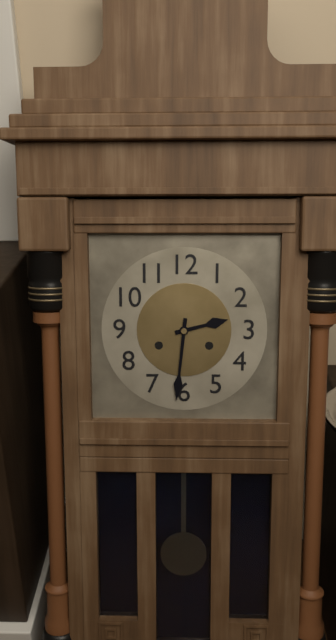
h=2 m=31
